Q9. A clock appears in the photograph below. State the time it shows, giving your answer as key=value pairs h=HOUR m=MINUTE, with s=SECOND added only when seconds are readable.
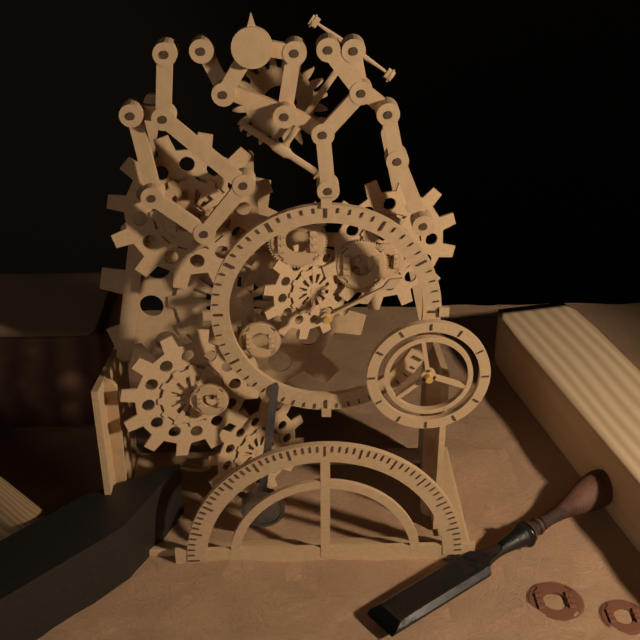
h=2 m=10
